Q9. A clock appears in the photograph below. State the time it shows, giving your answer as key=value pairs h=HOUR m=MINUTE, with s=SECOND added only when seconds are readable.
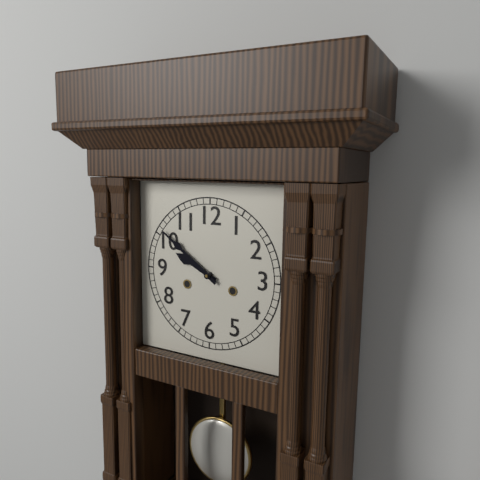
h=9 m=51
